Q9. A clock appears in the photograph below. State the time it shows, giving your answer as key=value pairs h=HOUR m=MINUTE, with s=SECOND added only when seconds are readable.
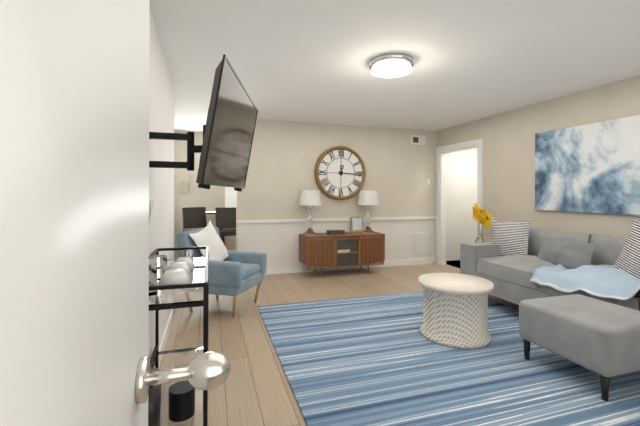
h=12 m=16
